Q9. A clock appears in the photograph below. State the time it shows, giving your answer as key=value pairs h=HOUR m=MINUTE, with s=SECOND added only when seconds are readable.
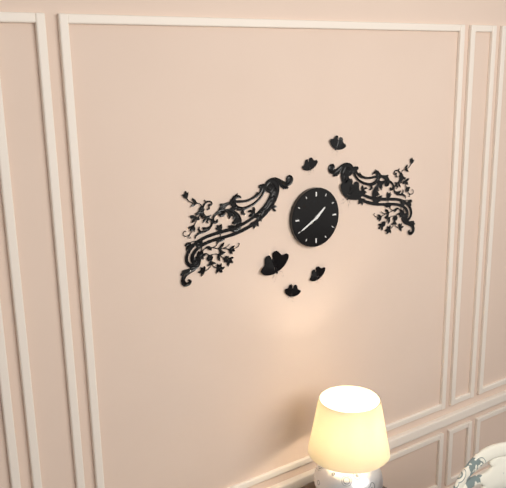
h=1 m=40
